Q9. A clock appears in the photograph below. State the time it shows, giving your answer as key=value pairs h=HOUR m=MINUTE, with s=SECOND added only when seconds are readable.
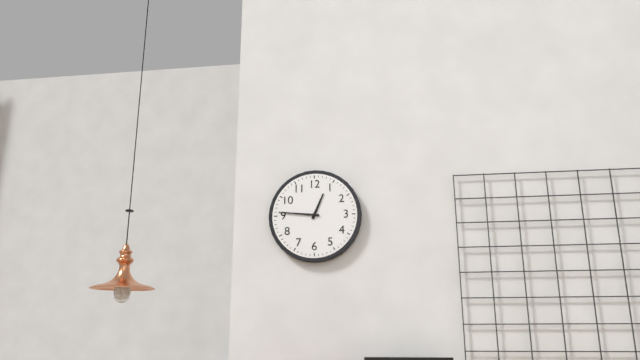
h=12 m=46
